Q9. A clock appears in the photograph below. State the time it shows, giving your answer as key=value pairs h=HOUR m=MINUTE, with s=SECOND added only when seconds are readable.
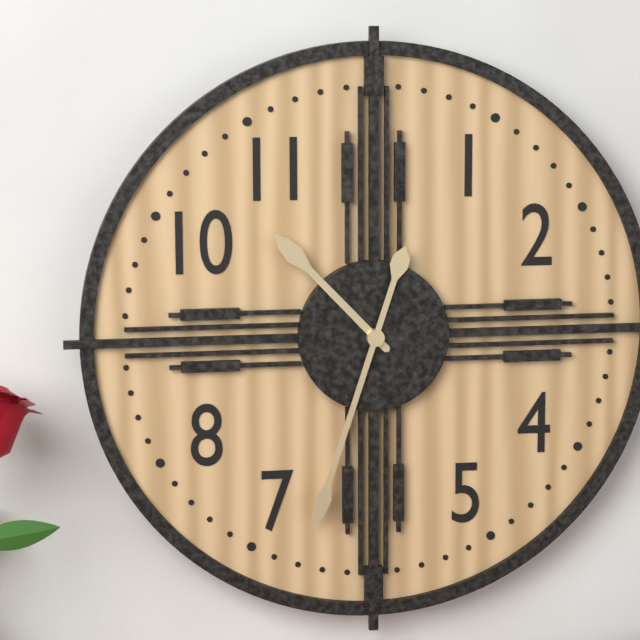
h=10 m=33
